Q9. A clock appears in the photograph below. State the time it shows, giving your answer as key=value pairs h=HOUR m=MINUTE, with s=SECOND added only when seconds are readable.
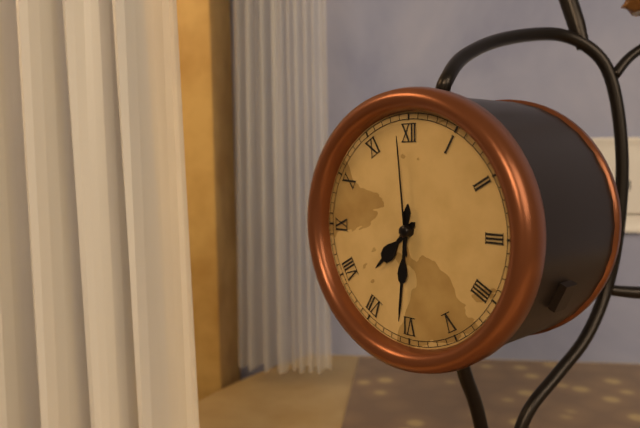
h=7 m=31 s=59
